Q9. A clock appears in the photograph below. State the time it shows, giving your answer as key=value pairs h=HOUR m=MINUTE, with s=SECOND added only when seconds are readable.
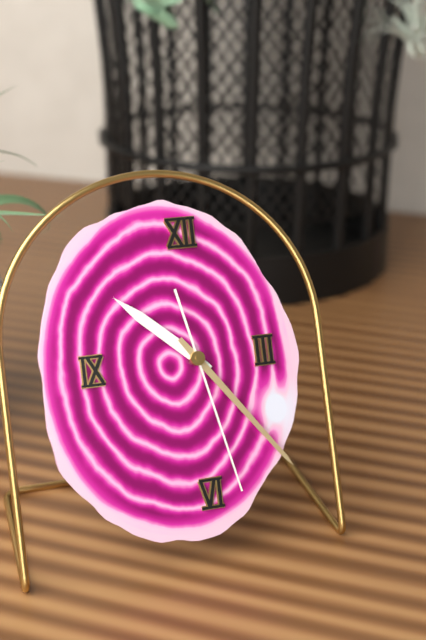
h=10 m=24 s=28
